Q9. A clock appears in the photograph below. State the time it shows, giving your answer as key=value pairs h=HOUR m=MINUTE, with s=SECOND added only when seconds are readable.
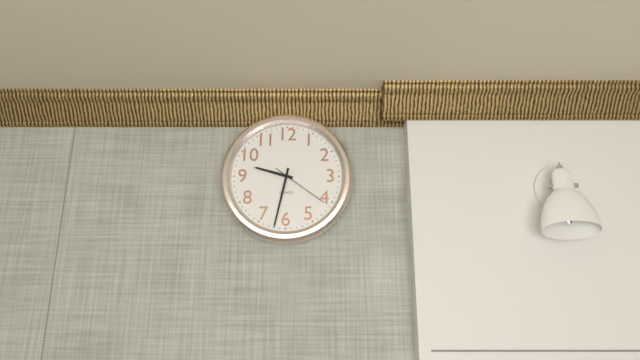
h=9 m=32 s=21
